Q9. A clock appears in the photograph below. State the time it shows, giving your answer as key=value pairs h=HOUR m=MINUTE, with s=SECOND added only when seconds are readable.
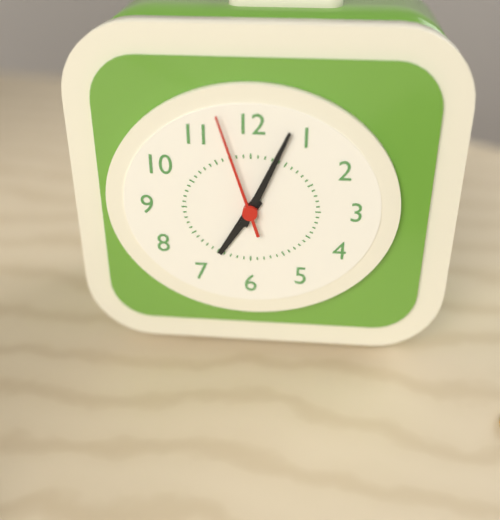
h=7 m=4 s=57
